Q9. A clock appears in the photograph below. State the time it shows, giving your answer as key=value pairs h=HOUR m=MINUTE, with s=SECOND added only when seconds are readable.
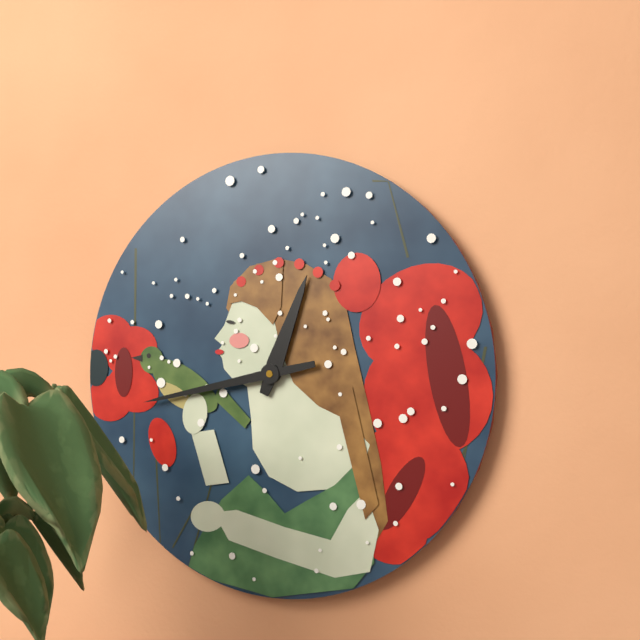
h=12 m=43
